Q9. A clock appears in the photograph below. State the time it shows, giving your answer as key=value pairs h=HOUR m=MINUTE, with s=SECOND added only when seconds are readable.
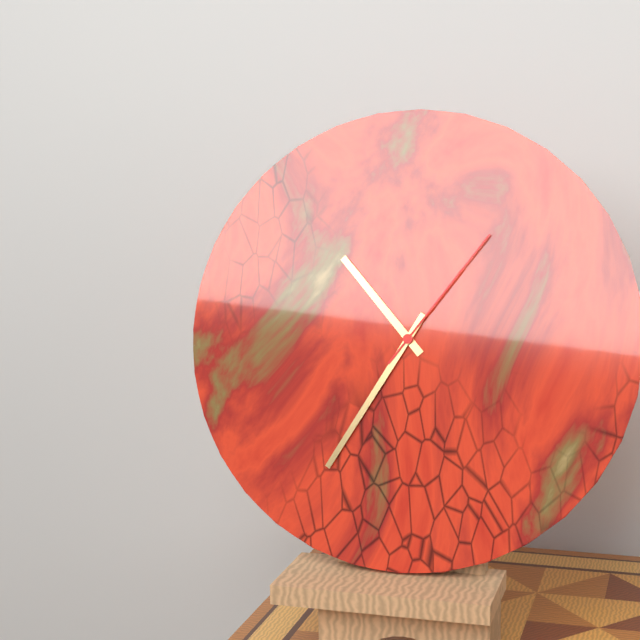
h=10 m=35 s=6
